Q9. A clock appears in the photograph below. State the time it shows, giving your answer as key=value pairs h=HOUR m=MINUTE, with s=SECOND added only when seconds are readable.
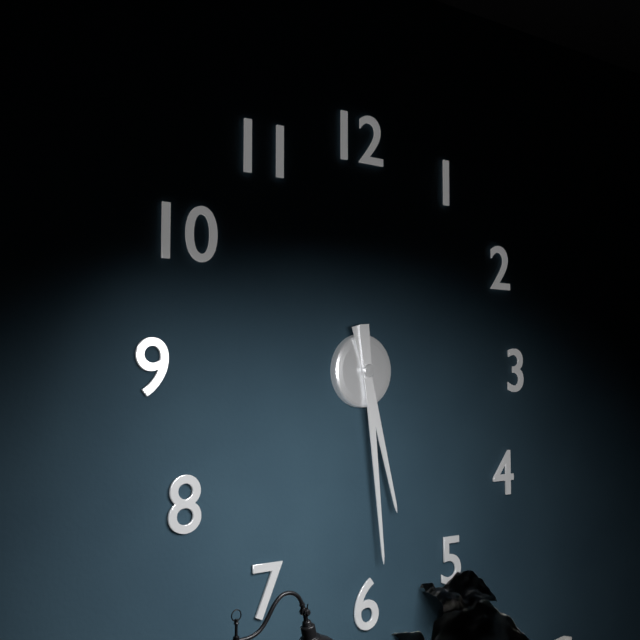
h=5 m=29
